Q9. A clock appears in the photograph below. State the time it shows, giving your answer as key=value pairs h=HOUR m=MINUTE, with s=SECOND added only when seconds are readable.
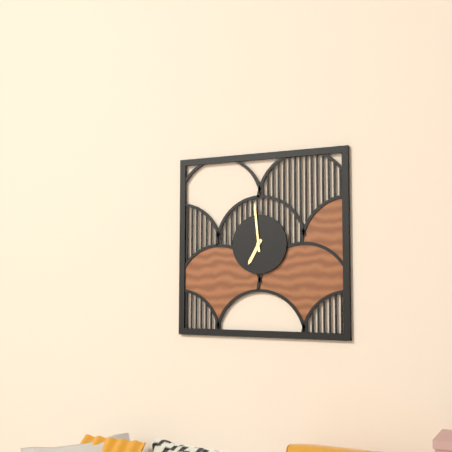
h=6 m=59
